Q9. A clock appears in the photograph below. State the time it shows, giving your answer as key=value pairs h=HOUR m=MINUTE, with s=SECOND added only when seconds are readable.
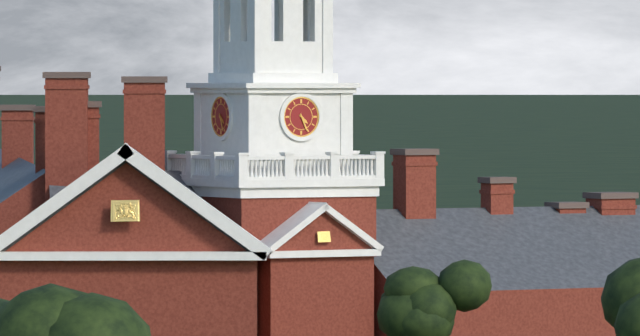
h=4 m=26
